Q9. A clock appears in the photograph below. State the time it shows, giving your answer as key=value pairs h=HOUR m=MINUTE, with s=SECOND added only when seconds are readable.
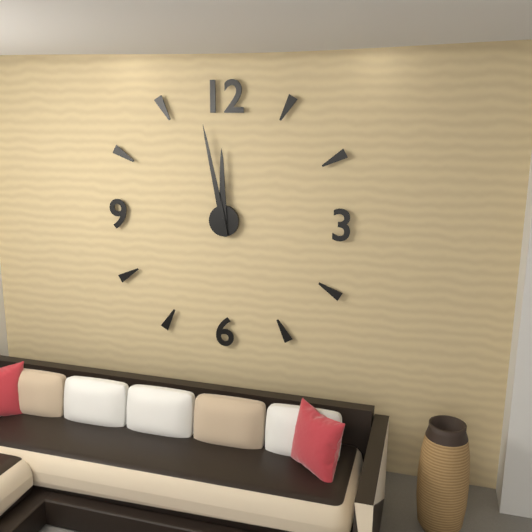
h=11 m=58
